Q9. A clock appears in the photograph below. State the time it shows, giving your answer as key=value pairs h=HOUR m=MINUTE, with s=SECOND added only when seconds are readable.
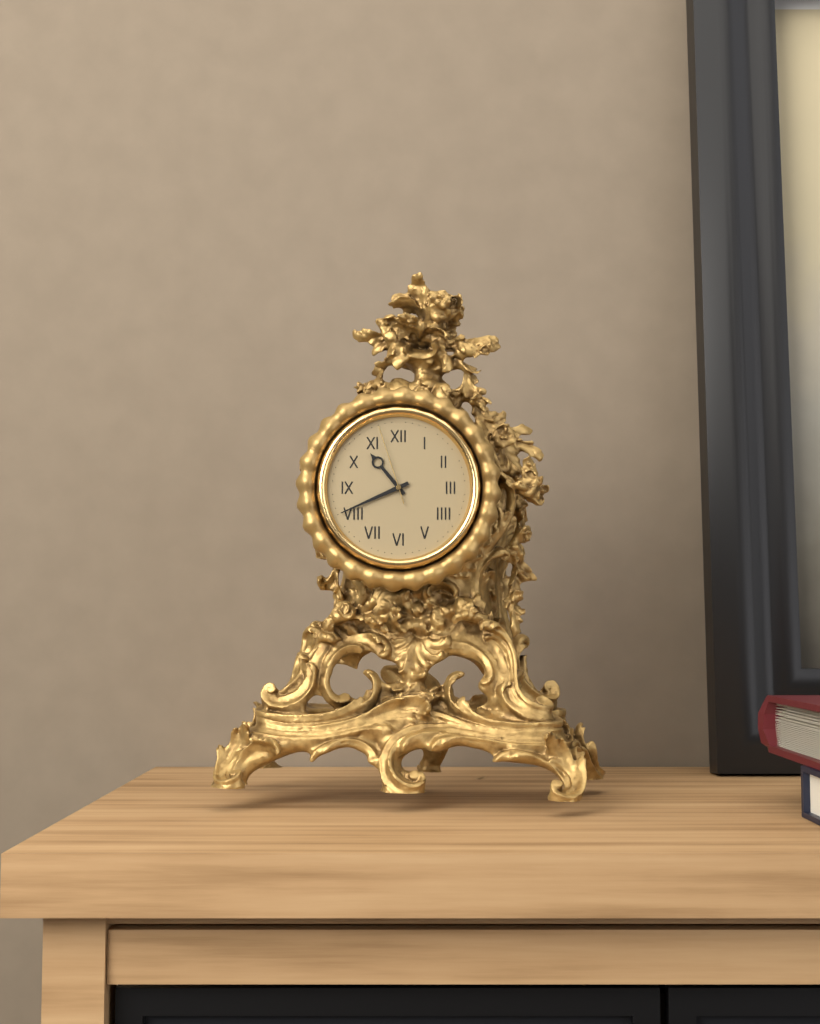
h=10 m=41 s=57
